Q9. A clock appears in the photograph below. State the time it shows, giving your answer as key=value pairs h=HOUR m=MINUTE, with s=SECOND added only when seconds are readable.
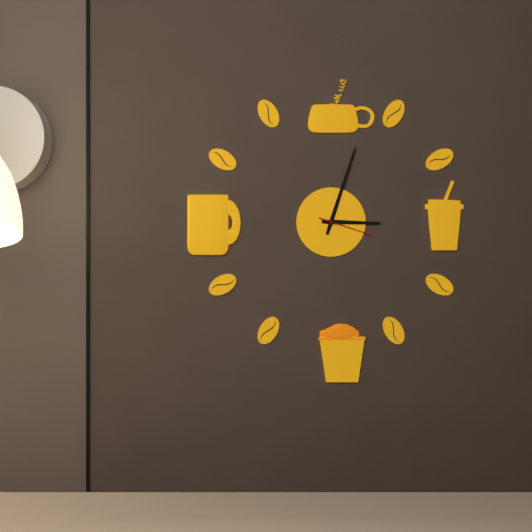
h=3 m=3 s=18
